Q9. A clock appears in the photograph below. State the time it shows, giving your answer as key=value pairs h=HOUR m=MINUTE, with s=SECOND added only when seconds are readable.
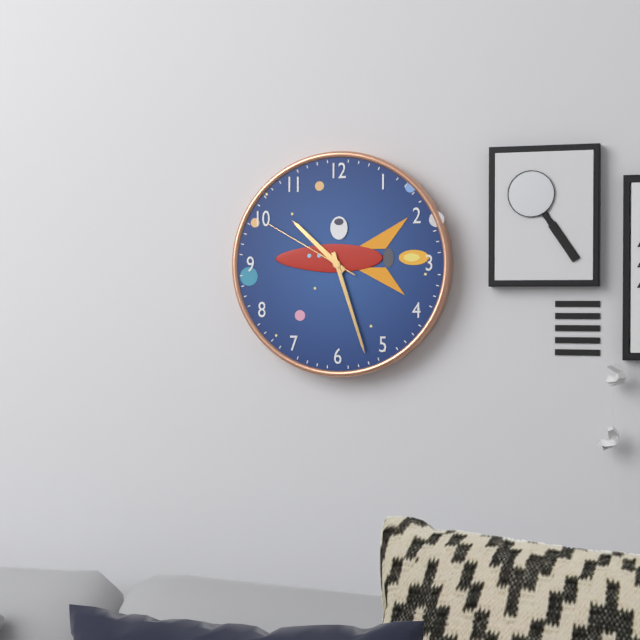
h=10 m=27 s=50
